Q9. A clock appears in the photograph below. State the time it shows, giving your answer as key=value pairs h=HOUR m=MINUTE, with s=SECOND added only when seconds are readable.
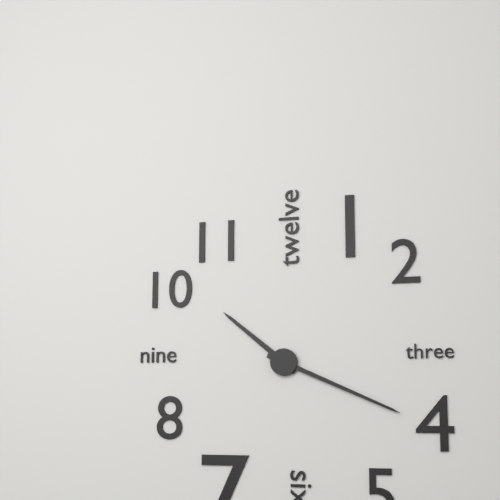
h=10 m=19
